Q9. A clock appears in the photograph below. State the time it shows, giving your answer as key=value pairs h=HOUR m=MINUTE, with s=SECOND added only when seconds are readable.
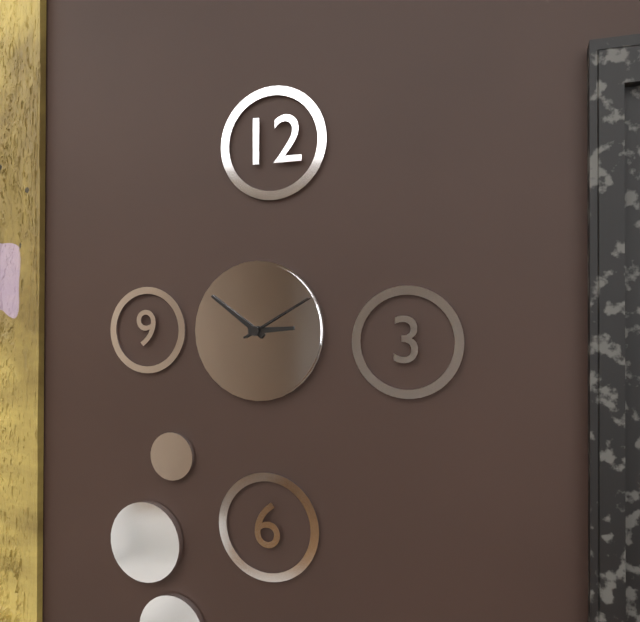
h=2 m=51 s=10
